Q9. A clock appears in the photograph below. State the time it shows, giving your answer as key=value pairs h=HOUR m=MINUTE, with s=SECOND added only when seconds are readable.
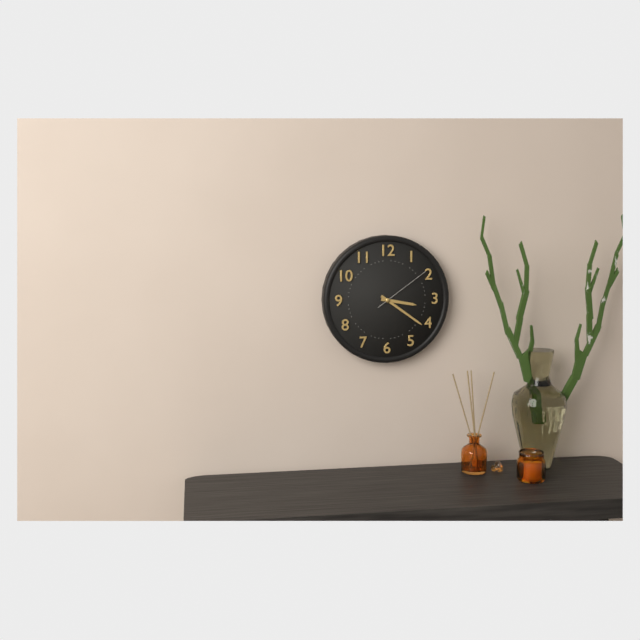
h=3 m=21 s=9
